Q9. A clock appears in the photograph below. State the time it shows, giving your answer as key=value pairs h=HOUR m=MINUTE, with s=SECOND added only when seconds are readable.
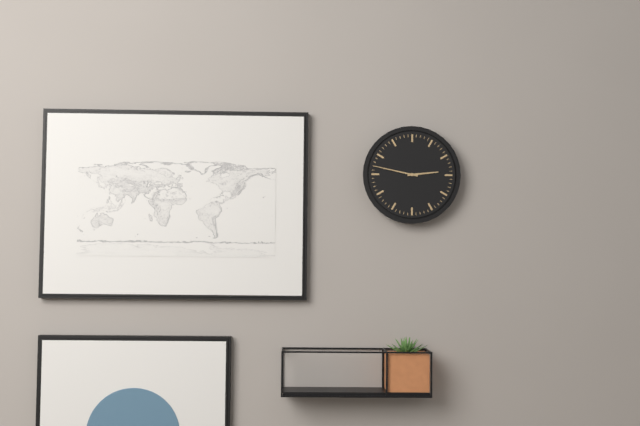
h=2 m=47
